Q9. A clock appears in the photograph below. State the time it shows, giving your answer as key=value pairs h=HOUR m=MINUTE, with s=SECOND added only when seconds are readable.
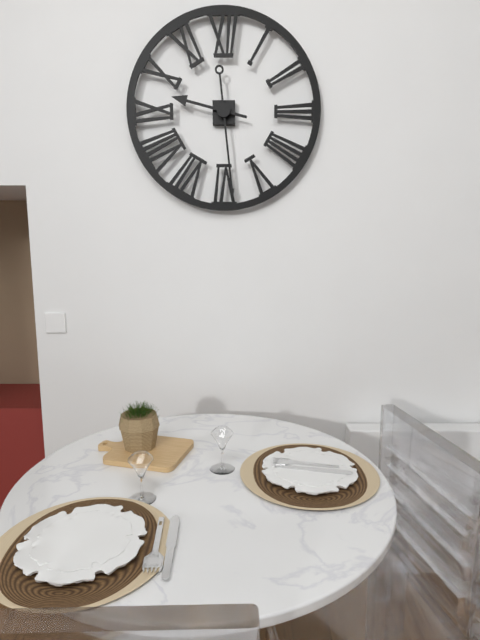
h=9 m=29
